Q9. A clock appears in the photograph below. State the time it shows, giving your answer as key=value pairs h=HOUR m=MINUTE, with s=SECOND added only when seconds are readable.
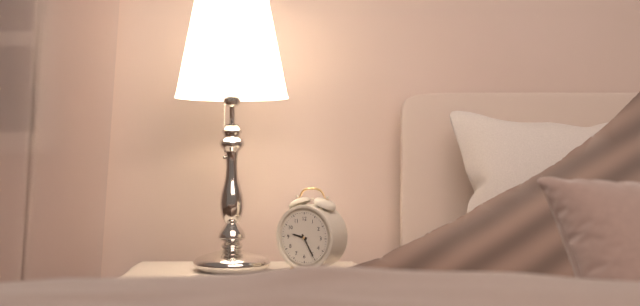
h=9 m=25
